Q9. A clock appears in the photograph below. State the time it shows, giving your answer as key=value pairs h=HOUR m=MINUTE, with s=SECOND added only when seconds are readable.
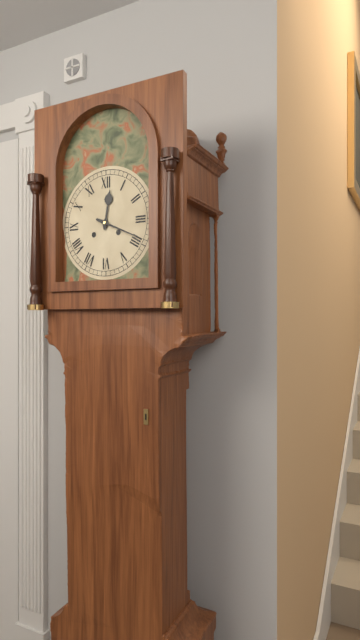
h=12 m=19
